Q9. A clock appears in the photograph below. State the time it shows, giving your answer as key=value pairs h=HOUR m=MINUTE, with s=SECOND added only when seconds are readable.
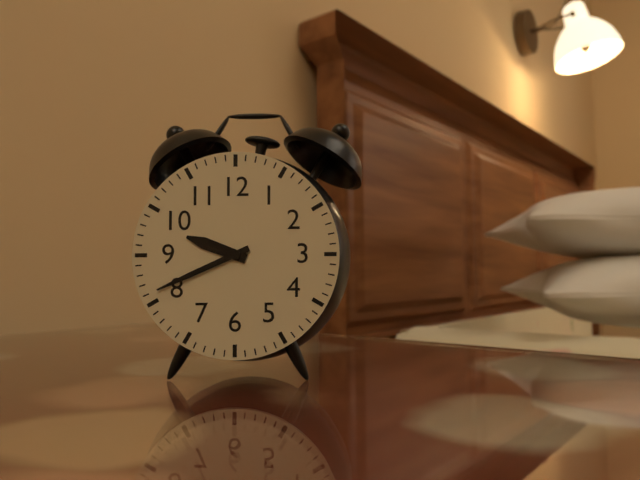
h=9 m=41
